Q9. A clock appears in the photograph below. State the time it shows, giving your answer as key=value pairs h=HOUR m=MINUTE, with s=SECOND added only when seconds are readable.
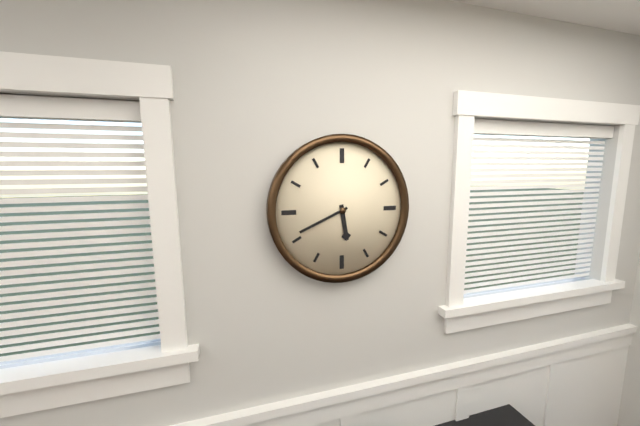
h=5 m=41
